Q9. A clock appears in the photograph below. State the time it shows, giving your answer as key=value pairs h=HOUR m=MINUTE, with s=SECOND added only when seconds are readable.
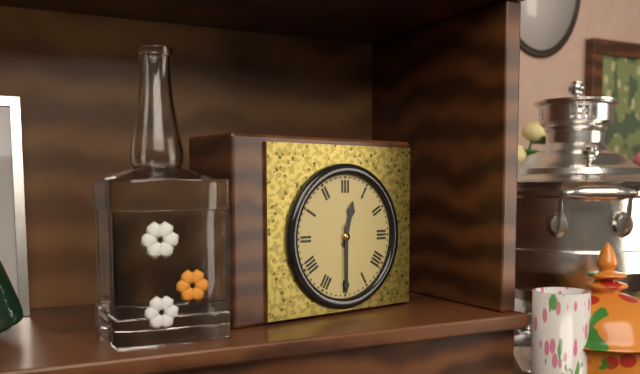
h=12 m=30
